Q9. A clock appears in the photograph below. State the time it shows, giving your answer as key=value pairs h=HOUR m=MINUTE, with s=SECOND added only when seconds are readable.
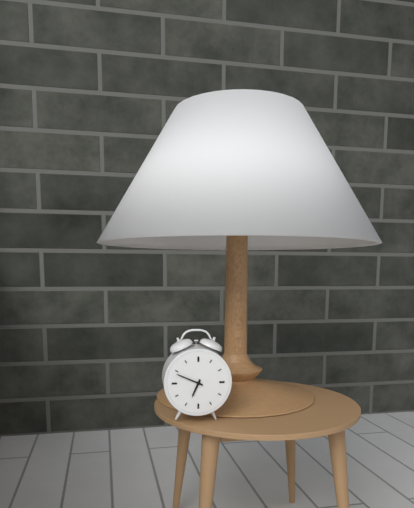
h=6 m=49
